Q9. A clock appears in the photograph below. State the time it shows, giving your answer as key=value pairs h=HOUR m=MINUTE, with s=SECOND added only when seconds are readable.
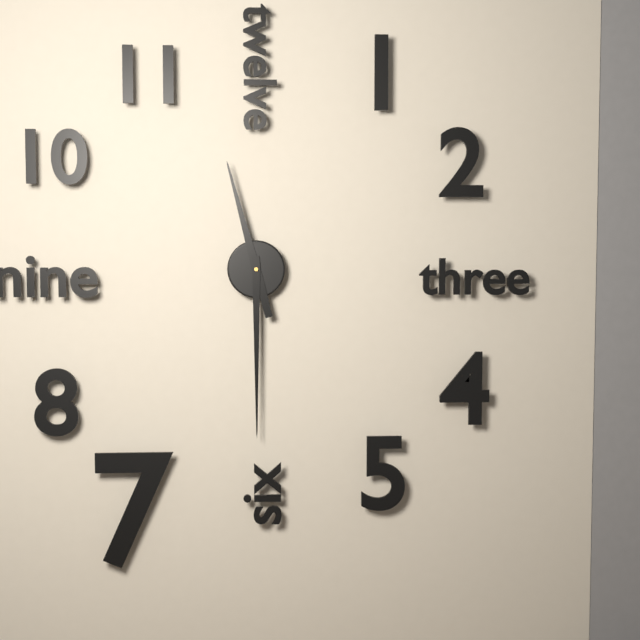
h=11 m=30
